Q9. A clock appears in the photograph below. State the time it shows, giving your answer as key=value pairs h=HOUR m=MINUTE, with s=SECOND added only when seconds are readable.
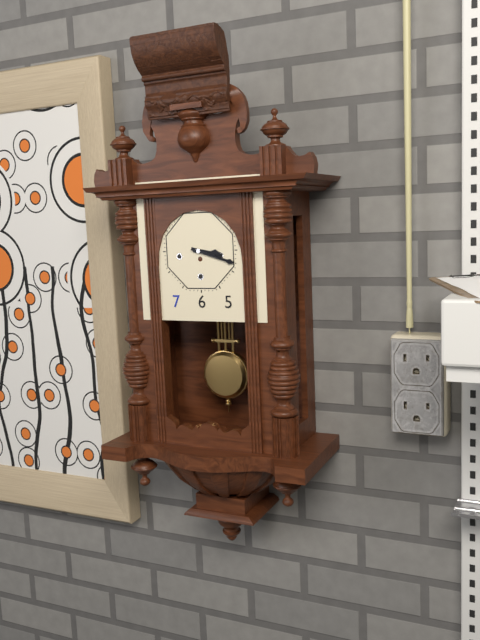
h=3 m=18
